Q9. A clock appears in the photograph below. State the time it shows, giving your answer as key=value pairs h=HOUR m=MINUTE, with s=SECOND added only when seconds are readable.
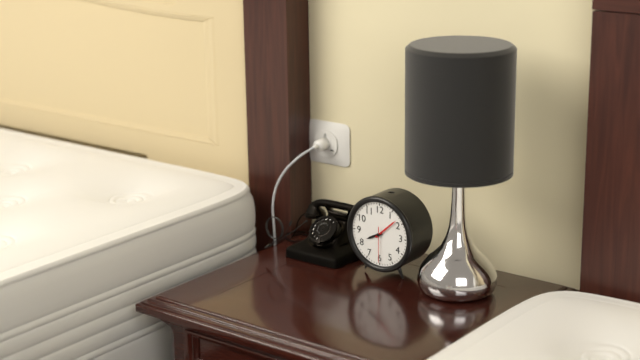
h=8 m=8
